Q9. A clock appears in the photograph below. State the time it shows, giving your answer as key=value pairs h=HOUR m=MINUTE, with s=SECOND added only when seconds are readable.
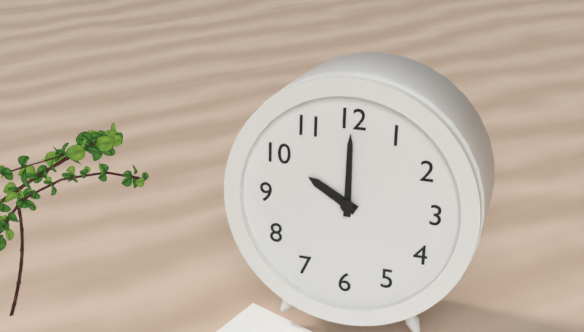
h=10 m=0
